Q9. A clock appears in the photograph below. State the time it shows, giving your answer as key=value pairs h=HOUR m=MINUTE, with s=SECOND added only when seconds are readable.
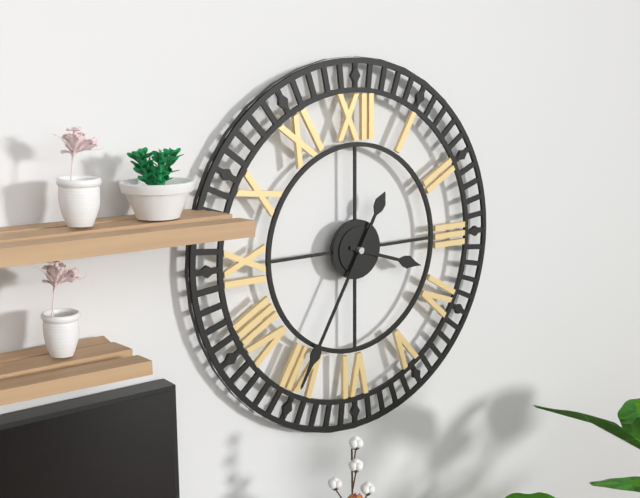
h=3 m=35
